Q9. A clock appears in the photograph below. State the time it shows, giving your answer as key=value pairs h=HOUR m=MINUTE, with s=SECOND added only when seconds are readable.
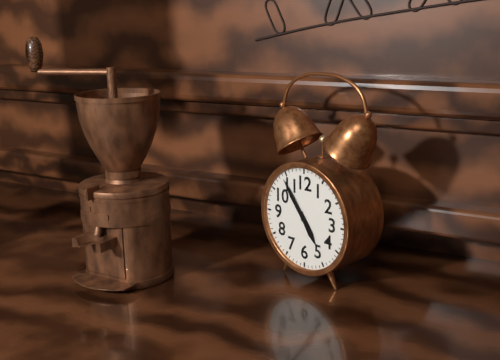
h=4 m=54
